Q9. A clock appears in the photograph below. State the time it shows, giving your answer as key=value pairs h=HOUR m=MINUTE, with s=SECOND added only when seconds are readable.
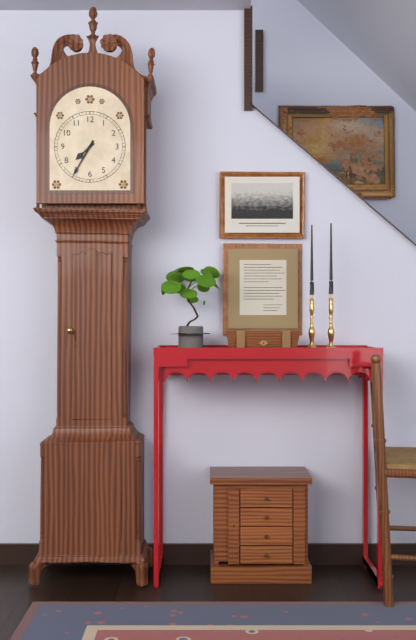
h=7 m=35
